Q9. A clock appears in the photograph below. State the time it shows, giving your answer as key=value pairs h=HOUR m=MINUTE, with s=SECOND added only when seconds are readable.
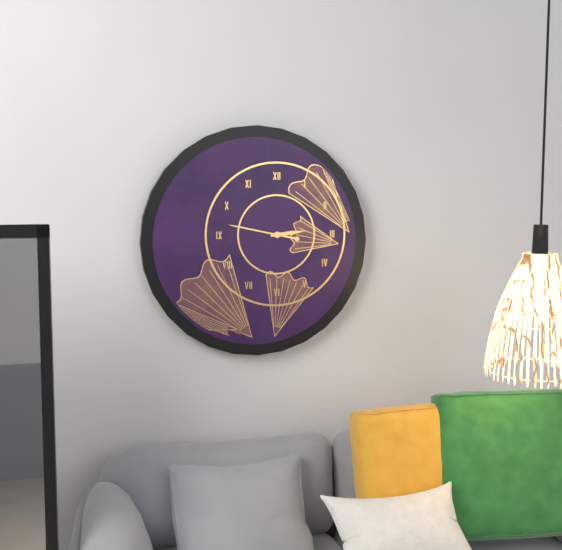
h=2 m=47
